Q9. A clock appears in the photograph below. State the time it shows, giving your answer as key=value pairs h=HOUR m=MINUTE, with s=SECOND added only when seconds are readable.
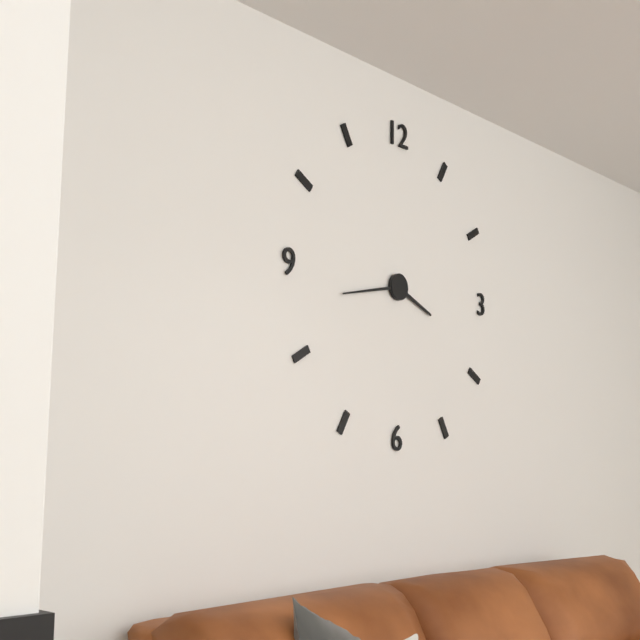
h=3 m=43
